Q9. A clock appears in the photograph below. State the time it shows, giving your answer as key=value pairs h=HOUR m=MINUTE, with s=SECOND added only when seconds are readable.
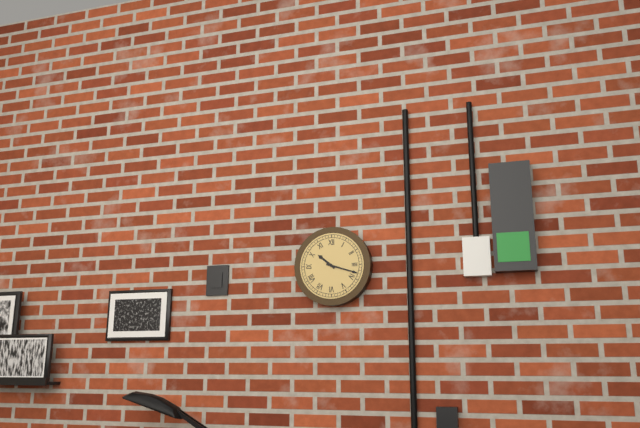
h=10 m=18
